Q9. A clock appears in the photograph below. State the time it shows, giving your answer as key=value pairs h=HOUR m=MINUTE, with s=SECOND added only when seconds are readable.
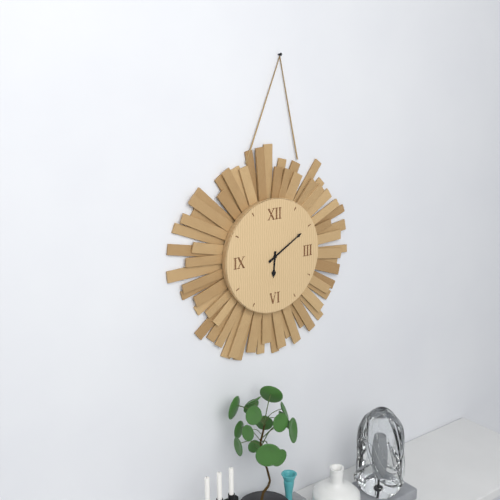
h=6 m=10
